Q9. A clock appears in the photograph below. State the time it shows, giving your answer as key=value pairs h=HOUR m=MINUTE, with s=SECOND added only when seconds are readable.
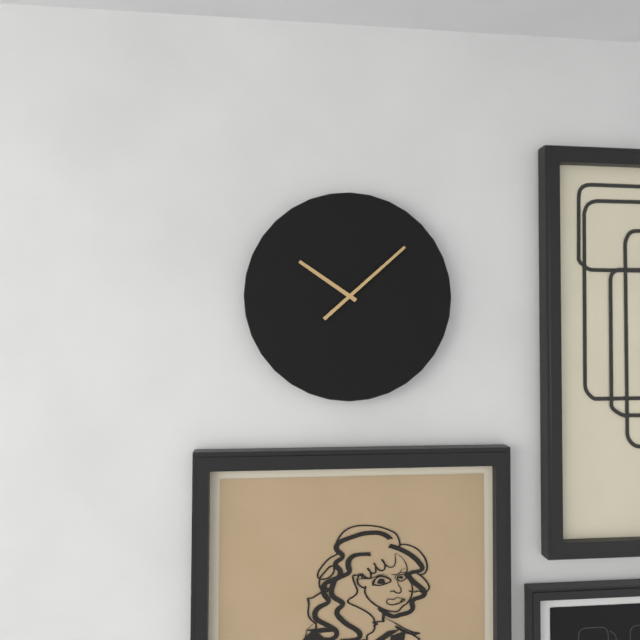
h=10 m=8
